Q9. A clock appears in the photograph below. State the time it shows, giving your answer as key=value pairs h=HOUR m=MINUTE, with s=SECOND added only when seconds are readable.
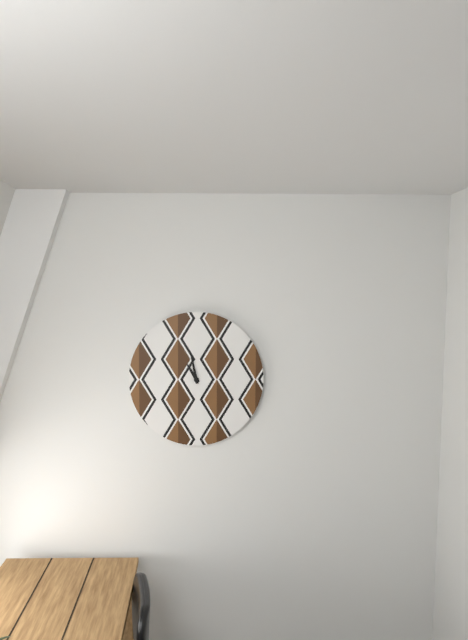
h=10 m=58
